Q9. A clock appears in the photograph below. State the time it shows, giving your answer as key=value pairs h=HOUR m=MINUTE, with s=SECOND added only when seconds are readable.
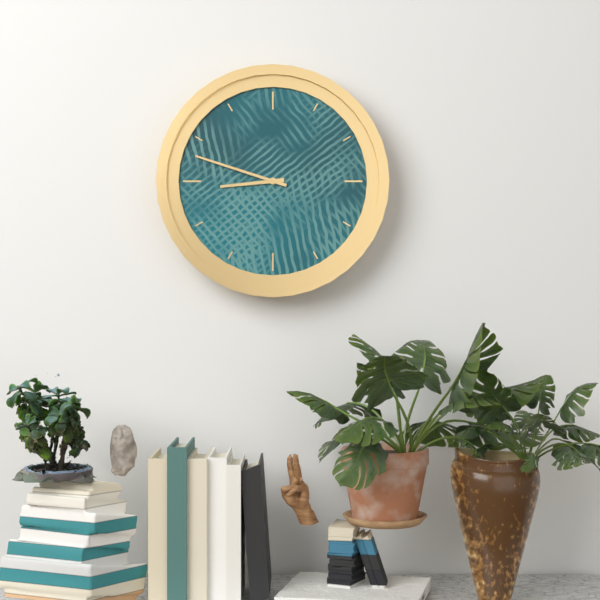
h=8 m=48
